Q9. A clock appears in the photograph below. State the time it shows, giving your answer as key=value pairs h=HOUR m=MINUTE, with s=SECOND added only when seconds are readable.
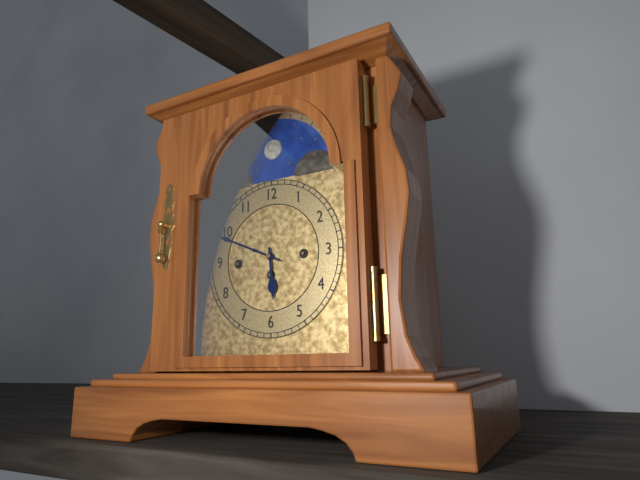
h=5 m=49
